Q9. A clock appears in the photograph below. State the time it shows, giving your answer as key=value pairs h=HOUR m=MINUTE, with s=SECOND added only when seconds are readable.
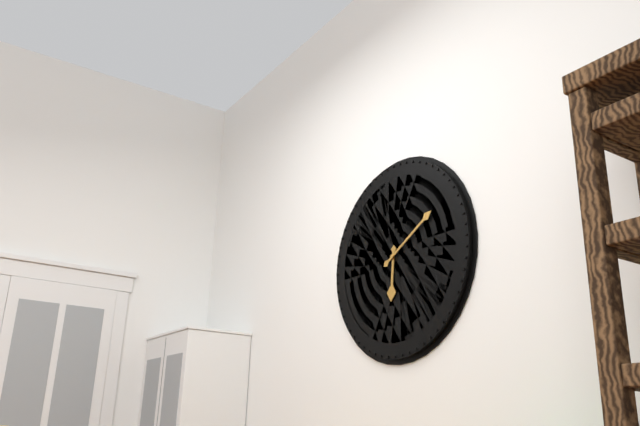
h=6 m=10
